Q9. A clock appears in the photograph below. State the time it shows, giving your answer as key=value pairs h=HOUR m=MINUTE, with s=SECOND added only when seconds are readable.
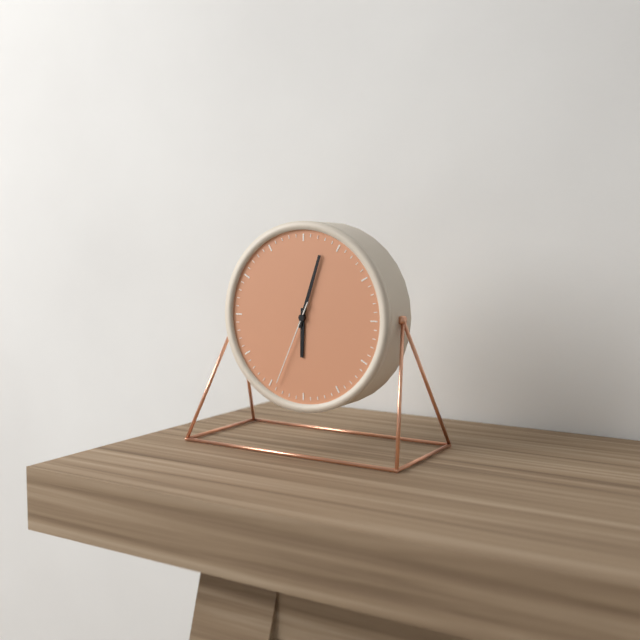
h=6 m=3 s=34
